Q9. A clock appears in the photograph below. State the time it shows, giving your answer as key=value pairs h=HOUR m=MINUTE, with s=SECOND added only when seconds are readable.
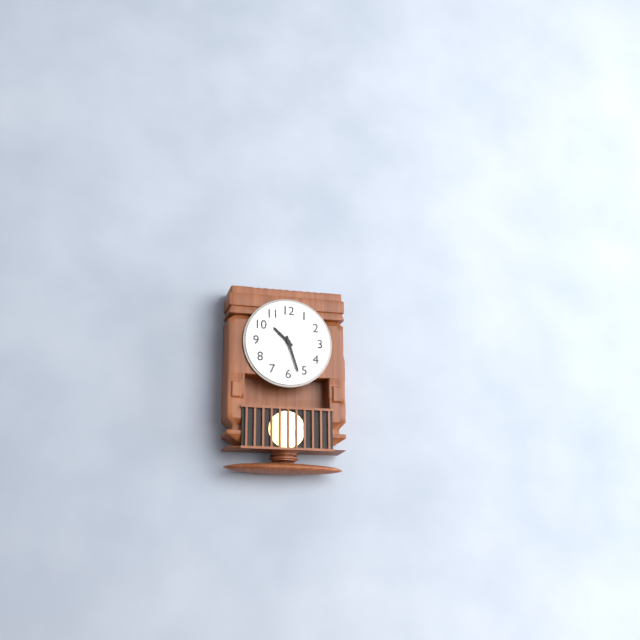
h=10 m=27
